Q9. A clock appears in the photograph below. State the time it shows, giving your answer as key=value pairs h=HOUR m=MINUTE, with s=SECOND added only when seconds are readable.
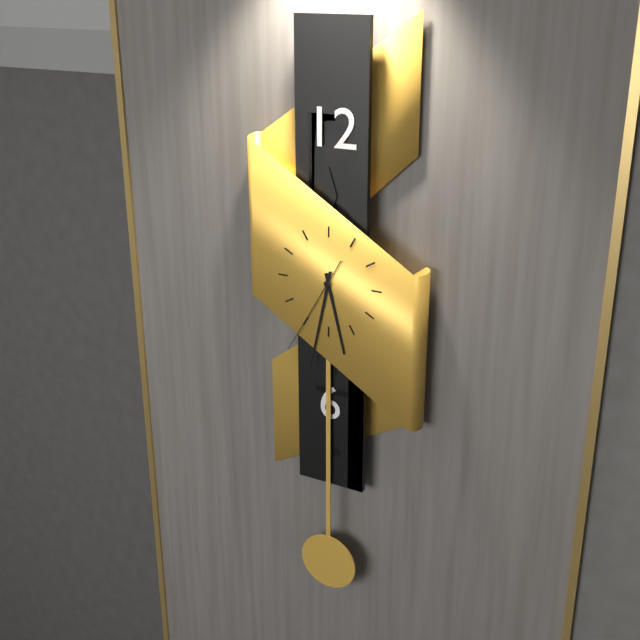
h=5 m=32 s=35
